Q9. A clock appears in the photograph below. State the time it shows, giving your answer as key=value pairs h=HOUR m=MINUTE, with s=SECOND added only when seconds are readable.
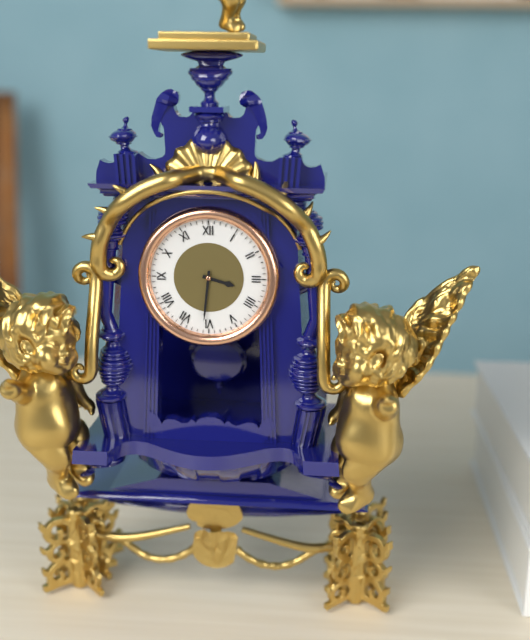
h=3 m=31
